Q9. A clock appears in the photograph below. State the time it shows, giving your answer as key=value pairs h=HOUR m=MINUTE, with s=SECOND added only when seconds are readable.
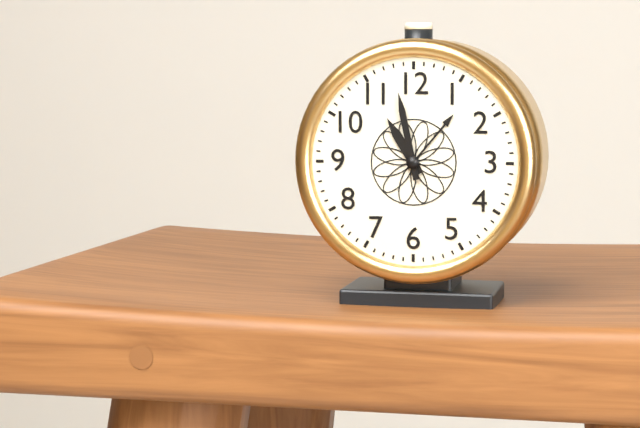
h=10 m=58
